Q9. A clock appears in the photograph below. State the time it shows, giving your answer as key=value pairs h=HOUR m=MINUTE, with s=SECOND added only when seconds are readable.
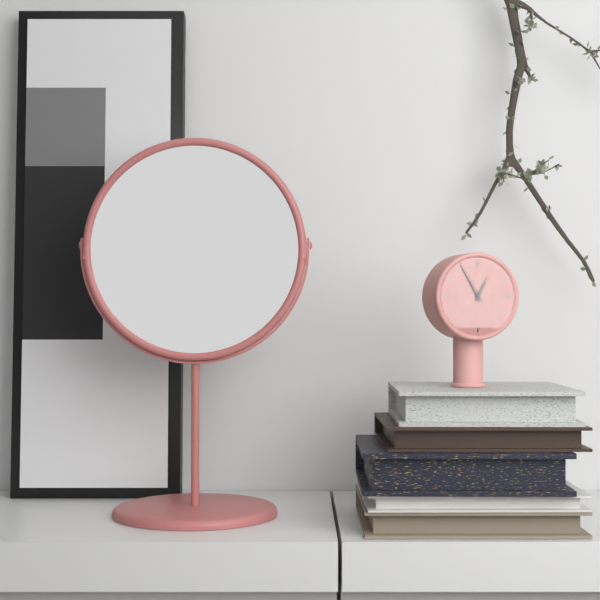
h=12 m=55
